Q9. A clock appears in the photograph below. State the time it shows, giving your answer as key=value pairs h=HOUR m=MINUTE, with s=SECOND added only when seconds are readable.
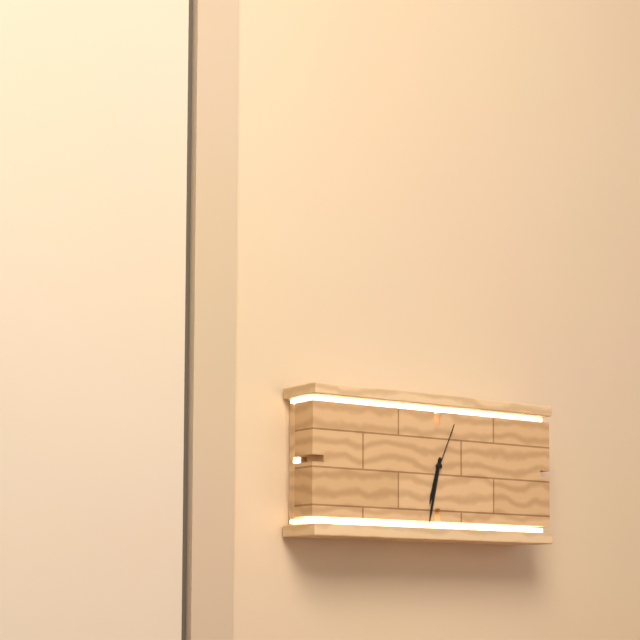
h=6 m=32 s=4
